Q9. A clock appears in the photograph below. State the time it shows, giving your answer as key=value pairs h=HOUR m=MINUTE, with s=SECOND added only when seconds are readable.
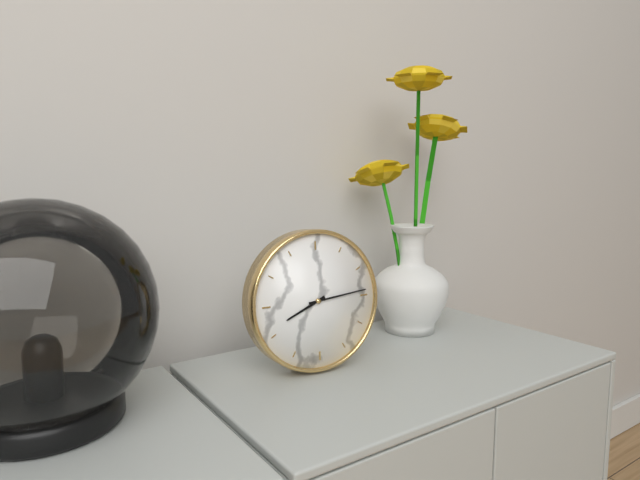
h=8 m=14
